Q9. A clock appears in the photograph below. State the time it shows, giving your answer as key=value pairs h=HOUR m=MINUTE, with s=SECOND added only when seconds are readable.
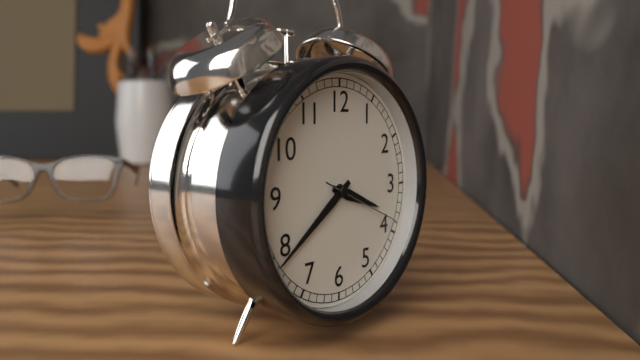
h=3 m=39 s=19
